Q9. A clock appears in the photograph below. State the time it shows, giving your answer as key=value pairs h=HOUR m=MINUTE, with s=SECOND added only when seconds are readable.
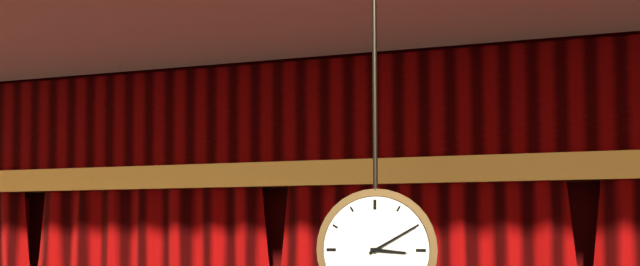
h=3 m=10
